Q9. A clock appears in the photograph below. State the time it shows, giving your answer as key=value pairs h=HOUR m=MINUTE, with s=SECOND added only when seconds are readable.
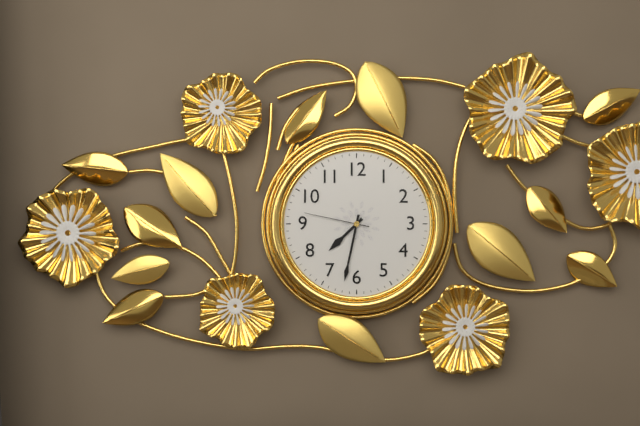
h=7 m=32 s=47
